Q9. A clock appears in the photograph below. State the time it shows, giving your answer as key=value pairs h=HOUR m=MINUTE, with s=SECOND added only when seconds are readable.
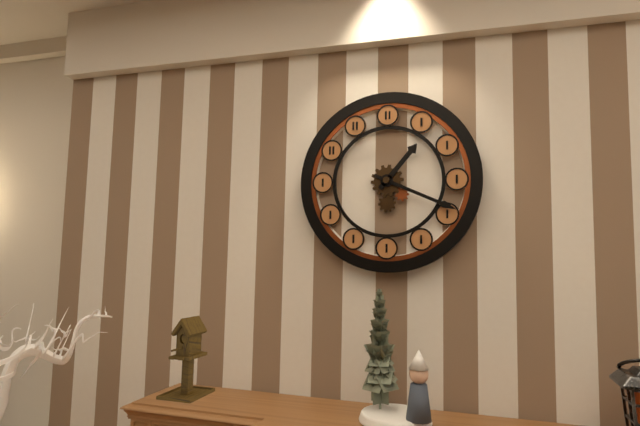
h=1 m=19
